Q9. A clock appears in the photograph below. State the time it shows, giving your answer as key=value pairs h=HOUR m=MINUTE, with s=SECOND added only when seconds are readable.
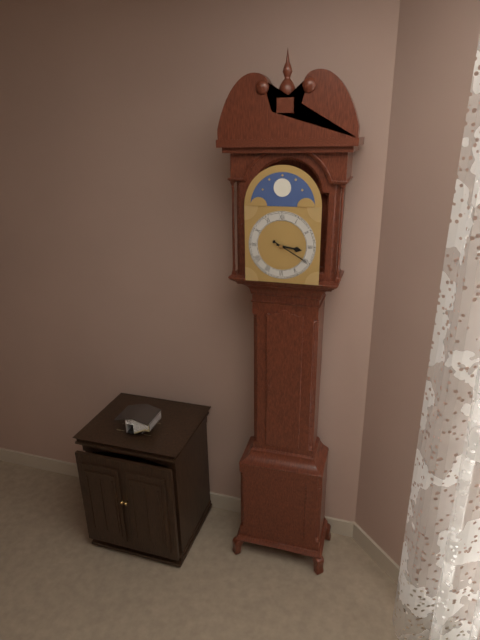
h=3 m=20
